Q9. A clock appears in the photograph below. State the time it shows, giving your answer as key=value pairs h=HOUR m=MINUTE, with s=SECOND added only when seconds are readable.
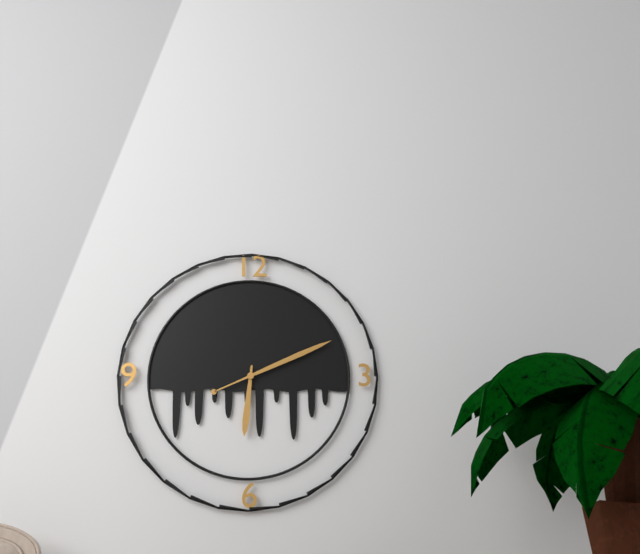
h=6 m=11
